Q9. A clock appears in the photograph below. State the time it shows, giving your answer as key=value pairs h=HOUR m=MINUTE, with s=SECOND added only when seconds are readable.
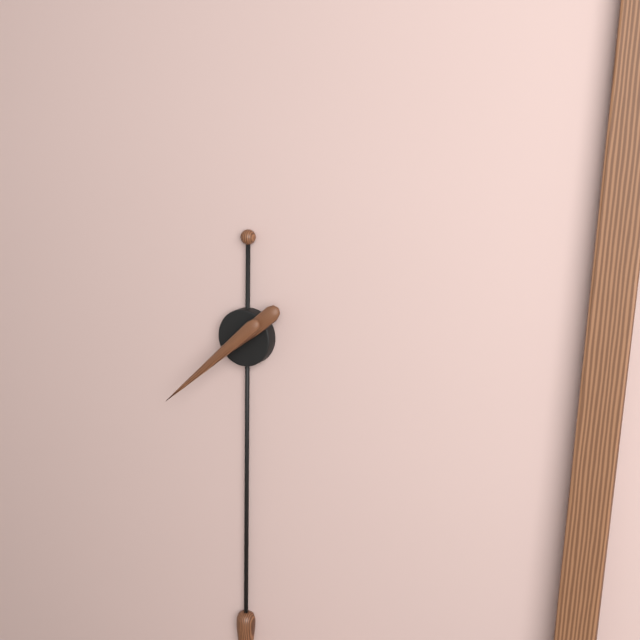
h=7 m=38
